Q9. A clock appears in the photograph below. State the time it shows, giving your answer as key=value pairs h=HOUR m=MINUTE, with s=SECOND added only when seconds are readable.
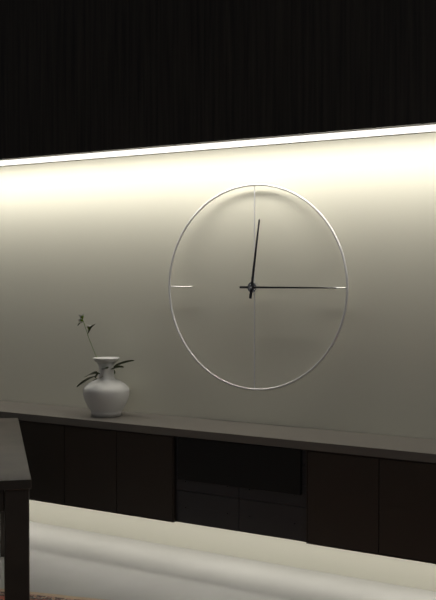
h=12 m=15
